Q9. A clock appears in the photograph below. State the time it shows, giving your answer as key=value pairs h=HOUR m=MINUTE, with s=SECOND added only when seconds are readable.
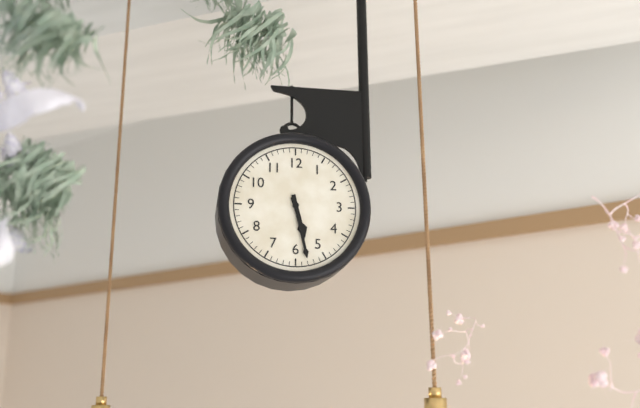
h=5 m=28
